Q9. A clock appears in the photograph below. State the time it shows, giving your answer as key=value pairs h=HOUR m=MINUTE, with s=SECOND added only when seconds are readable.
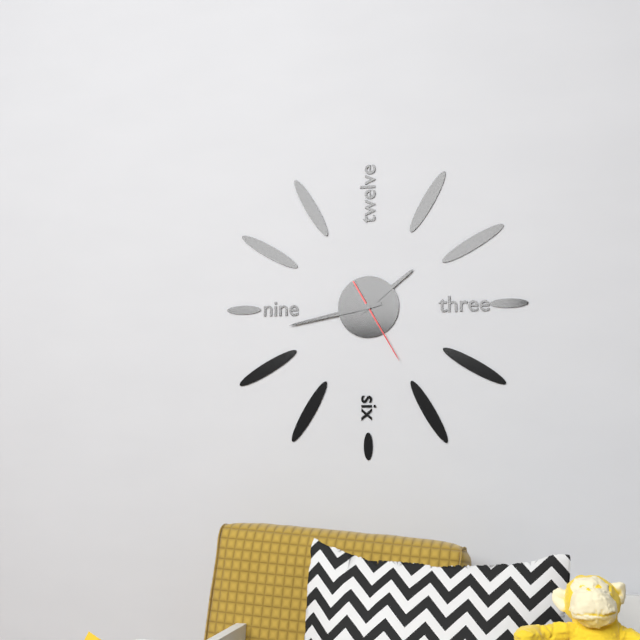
h=1 m=43 s=25
